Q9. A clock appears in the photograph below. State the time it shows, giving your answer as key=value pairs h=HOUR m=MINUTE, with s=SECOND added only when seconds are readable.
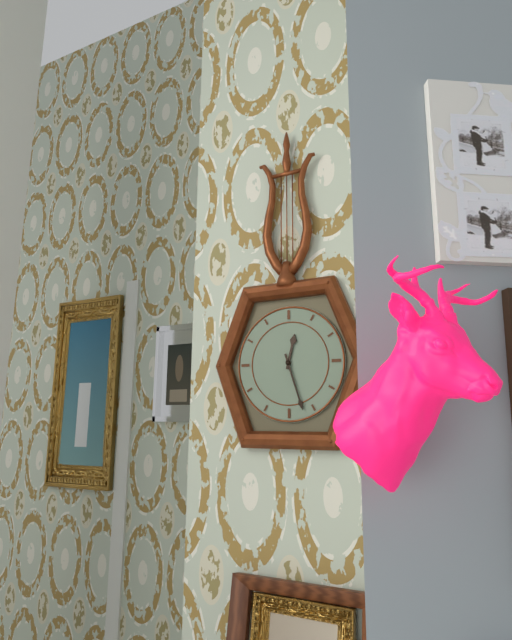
h=12 m=27
